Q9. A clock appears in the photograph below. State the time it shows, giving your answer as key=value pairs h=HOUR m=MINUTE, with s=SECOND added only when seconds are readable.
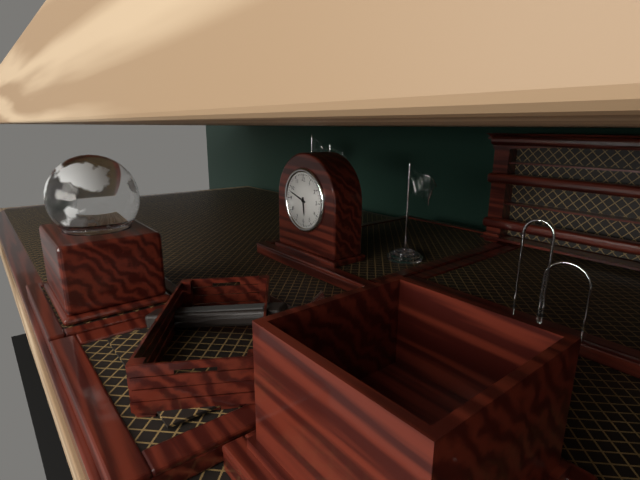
h=5 m=48
